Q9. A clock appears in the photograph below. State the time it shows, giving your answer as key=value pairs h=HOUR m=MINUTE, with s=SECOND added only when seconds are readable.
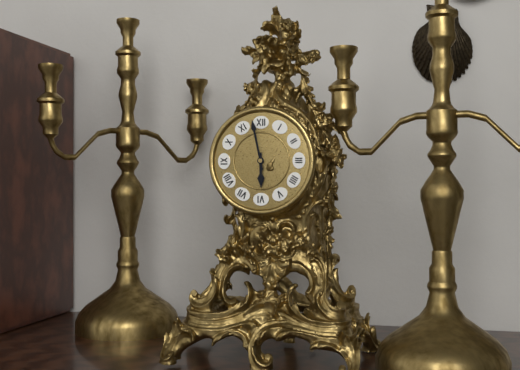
h=5 m=58
